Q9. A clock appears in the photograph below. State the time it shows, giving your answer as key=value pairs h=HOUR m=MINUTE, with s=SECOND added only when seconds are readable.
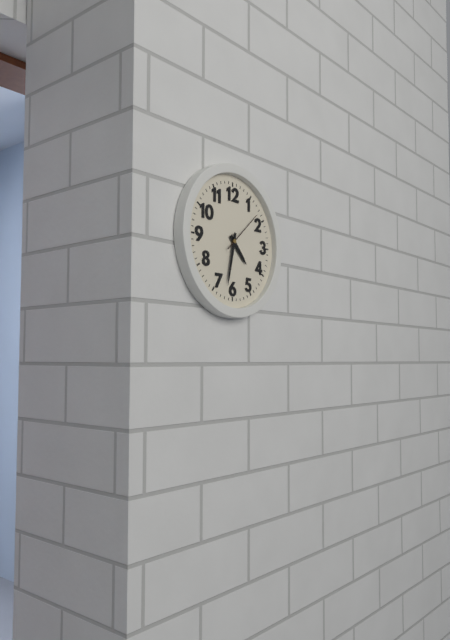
h=4 m=32
